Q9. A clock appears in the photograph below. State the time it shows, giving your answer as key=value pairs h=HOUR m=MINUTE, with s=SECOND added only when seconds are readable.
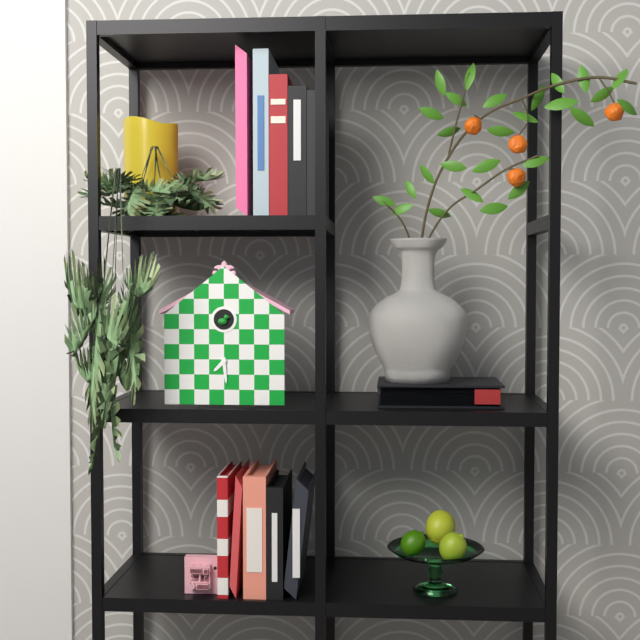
h=7 m=29
